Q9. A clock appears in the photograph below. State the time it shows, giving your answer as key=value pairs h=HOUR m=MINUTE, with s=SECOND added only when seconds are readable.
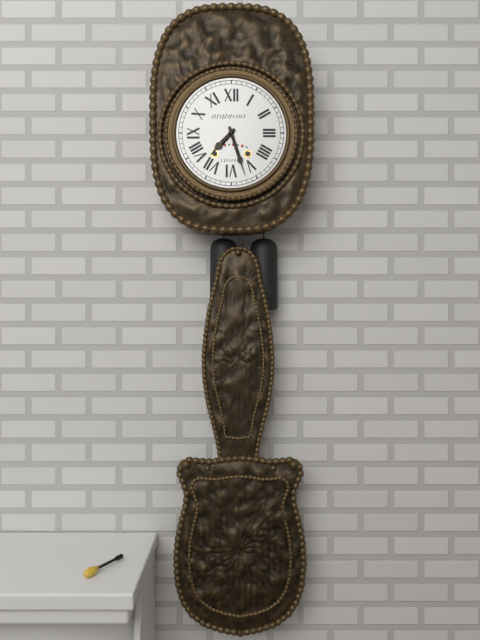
h=7 m=27
